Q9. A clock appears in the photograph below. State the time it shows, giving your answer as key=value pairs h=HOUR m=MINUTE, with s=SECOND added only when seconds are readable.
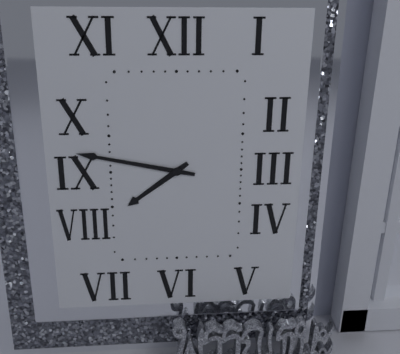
h=7 m=47
